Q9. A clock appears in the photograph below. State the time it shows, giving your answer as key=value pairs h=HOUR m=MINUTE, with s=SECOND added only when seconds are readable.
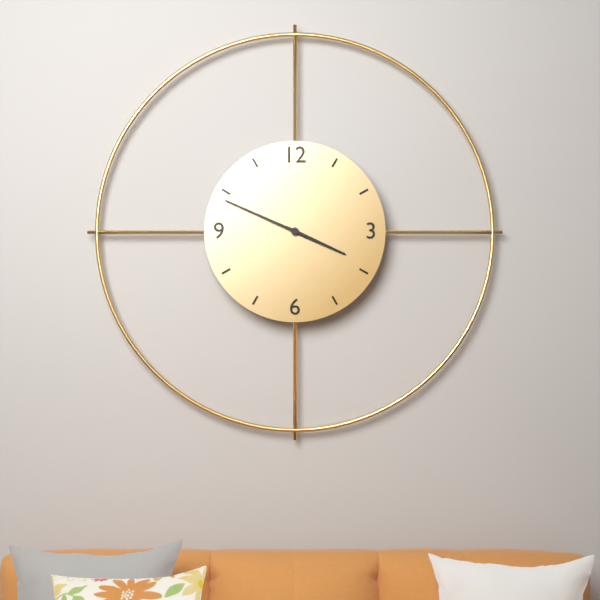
h=3 m=49
